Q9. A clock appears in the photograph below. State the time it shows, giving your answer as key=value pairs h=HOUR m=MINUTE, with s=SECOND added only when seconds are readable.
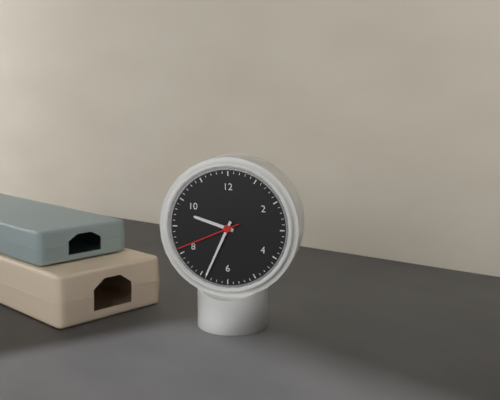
h=9 m=34 s=41
